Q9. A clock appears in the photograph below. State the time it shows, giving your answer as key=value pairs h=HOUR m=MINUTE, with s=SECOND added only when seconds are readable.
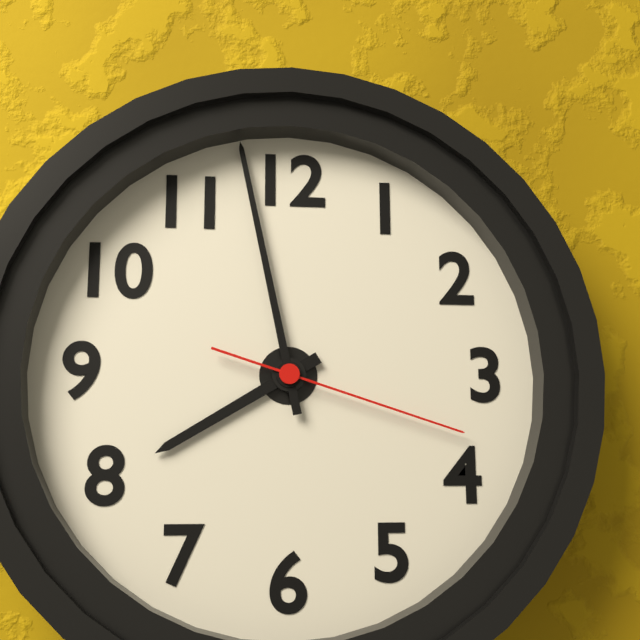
h=7 m=58 s=18
